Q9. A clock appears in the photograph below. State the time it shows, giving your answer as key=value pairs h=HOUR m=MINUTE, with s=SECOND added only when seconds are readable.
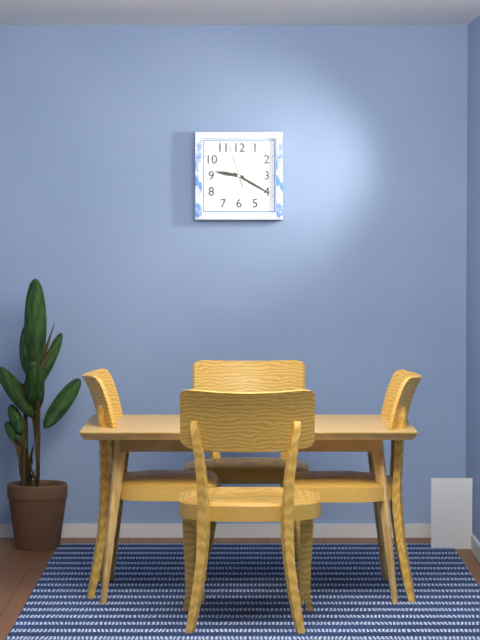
h=9 m=20
